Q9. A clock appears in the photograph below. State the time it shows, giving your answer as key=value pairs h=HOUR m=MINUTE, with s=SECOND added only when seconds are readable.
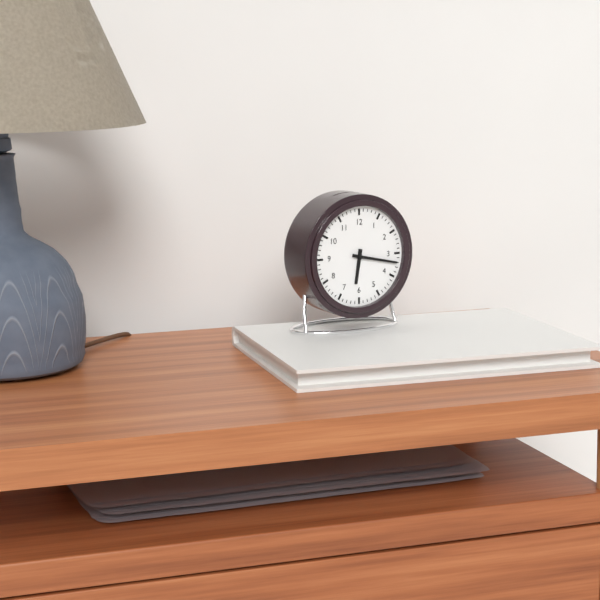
h=6 m=17
